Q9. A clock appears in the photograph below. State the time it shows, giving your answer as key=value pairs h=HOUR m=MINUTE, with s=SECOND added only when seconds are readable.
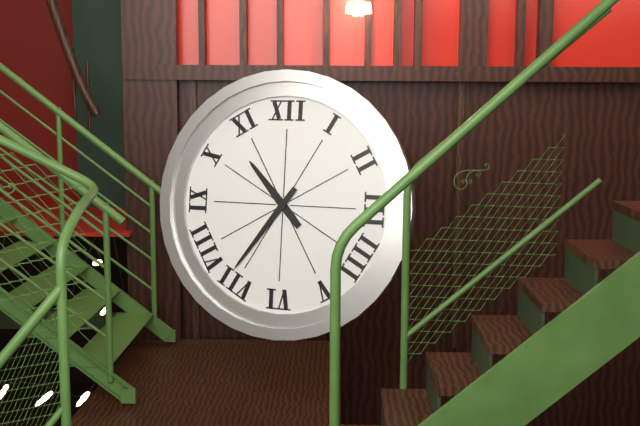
h=10 m=36
